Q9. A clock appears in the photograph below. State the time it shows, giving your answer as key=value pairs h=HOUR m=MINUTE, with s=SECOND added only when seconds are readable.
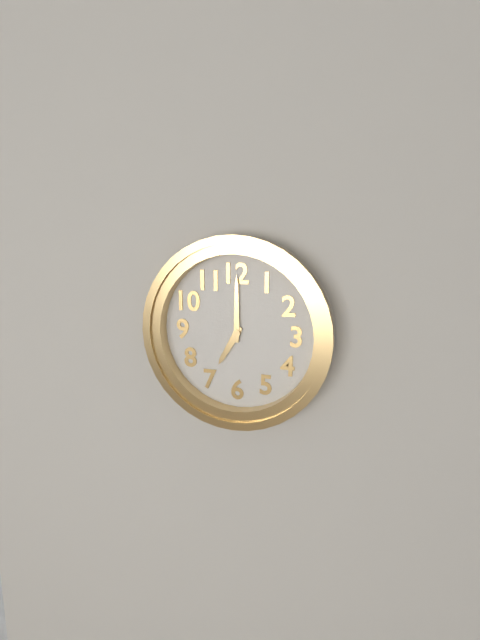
h=7 m=0
